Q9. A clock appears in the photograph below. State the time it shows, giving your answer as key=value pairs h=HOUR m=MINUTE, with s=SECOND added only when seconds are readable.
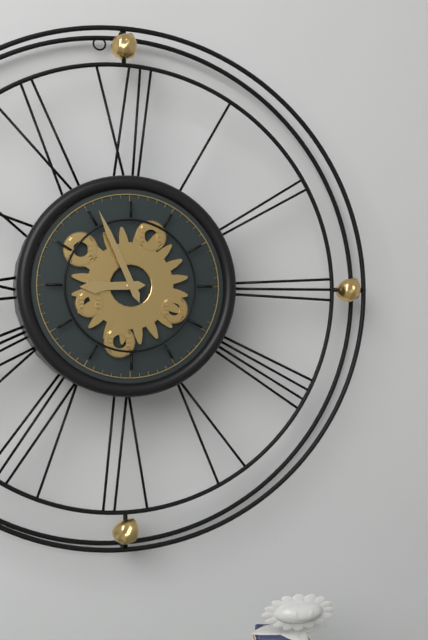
h=8 m=56
